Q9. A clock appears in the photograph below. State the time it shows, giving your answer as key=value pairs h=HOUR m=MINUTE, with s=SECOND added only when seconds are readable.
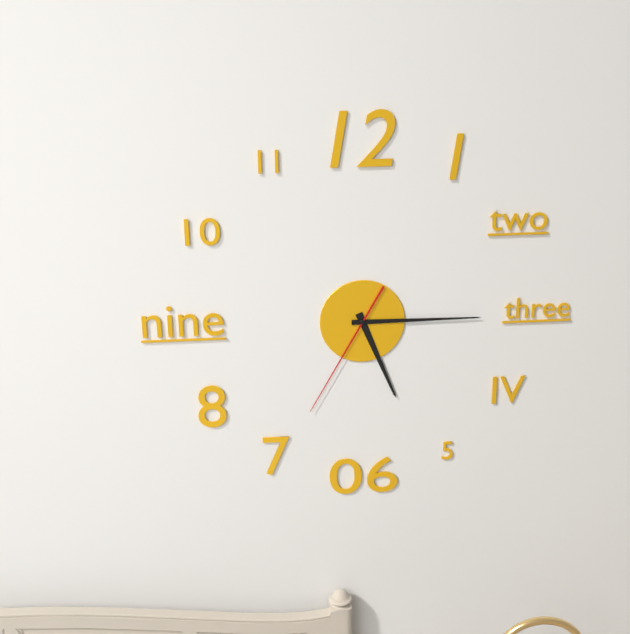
h=5 m=15 s=35
